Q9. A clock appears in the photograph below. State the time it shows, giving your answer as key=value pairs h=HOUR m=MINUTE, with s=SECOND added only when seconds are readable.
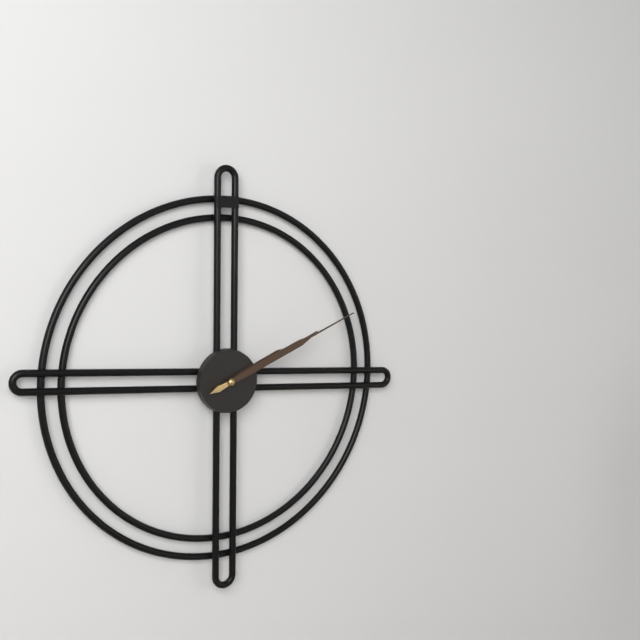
h=2 m=11
